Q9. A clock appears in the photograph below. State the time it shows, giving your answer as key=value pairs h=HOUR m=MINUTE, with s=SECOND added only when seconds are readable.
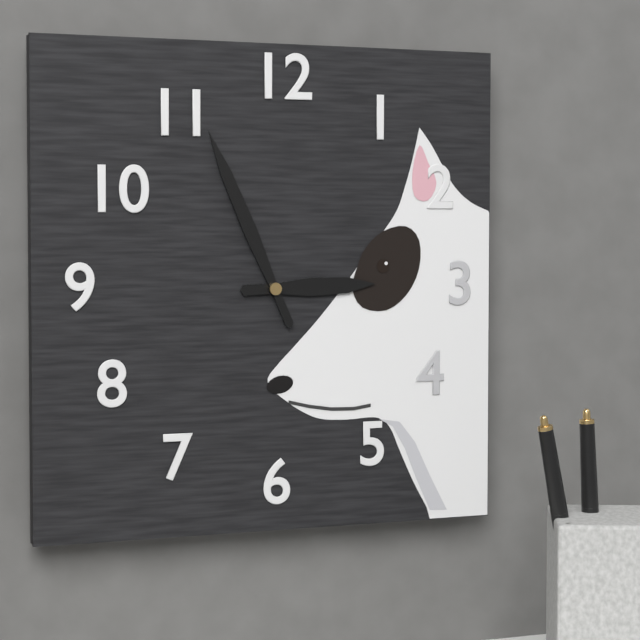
h=2 m=56
